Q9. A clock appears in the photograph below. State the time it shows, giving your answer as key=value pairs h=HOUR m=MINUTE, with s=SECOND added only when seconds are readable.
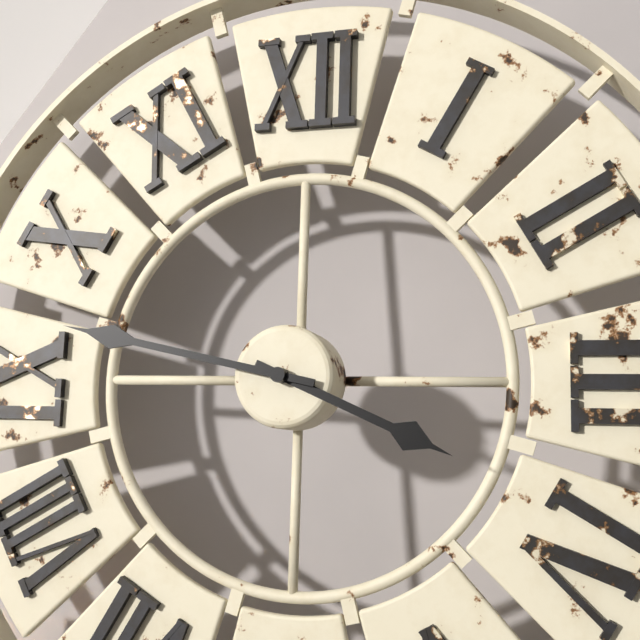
h=3 m=47
